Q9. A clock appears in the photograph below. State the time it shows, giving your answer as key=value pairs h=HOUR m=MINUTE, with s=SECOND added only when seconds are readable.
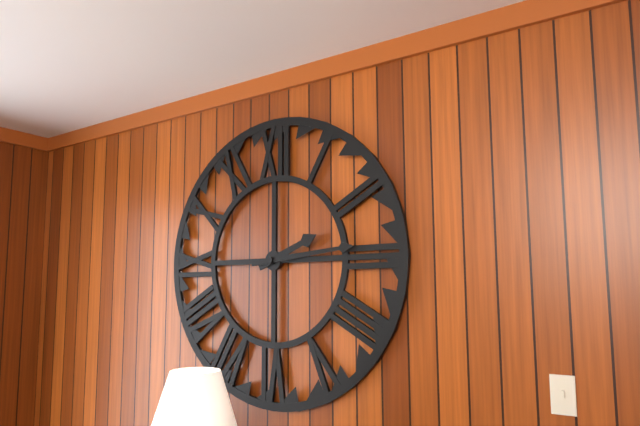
h=2 m=14
